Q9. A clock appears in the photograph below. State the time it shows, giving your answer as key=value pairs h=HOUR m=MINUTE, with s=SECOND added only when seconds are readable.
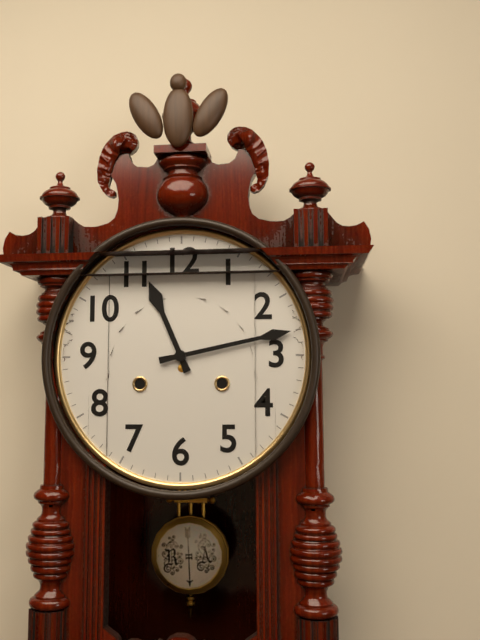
h=11 m=13
